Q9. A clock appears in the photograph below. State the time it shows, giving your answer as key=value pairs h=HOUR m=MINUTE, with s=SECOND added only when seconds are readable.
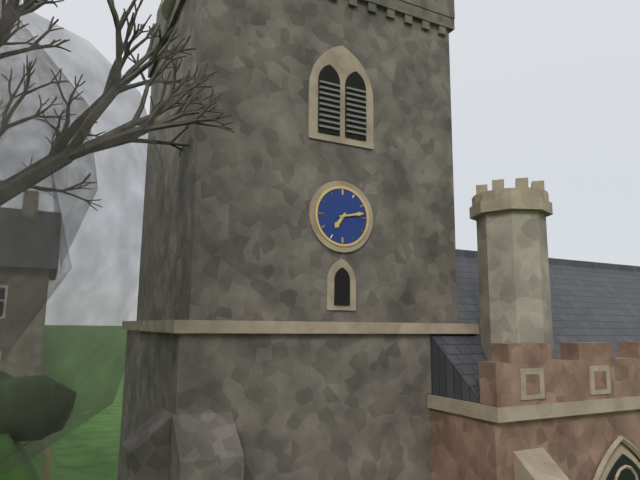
h=7 m=13
